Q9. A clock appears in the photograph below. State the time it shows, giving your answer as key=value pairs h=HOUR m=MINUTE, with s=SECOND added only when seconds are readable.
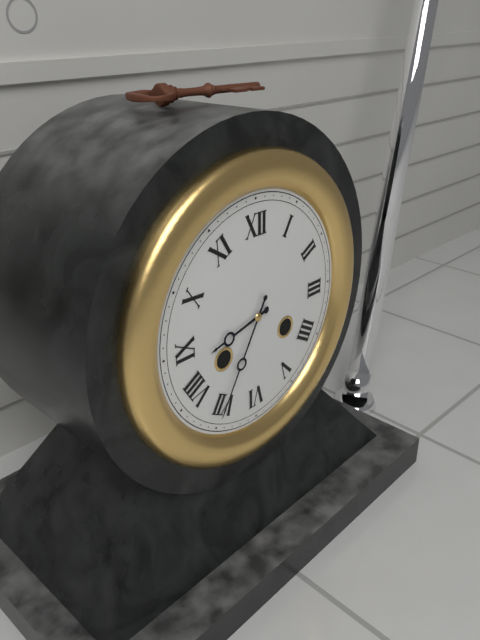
h=8 m=35
